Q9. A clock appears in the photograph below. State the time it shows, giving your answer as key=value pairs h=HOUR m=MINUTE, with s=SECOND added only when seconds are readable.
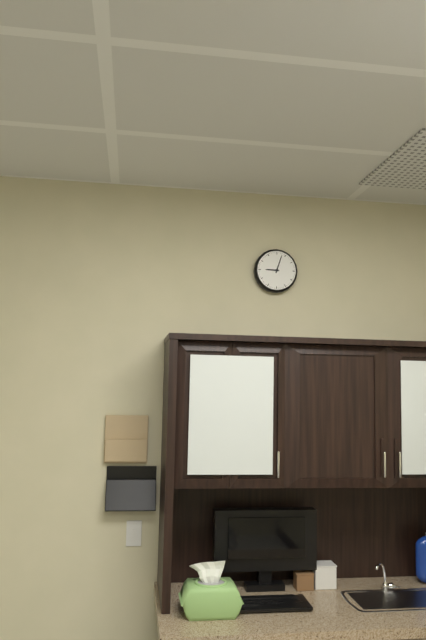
h=9 m=3
